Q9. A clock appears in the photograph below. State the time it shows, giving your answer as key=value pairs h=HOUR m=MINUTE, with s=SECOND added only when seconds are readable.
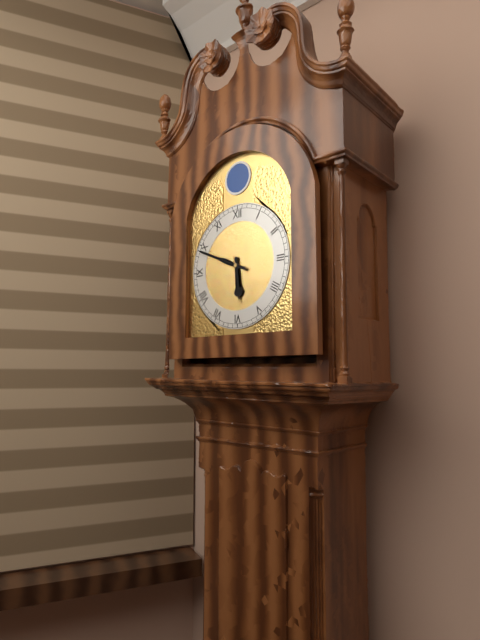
h=5 m=49
